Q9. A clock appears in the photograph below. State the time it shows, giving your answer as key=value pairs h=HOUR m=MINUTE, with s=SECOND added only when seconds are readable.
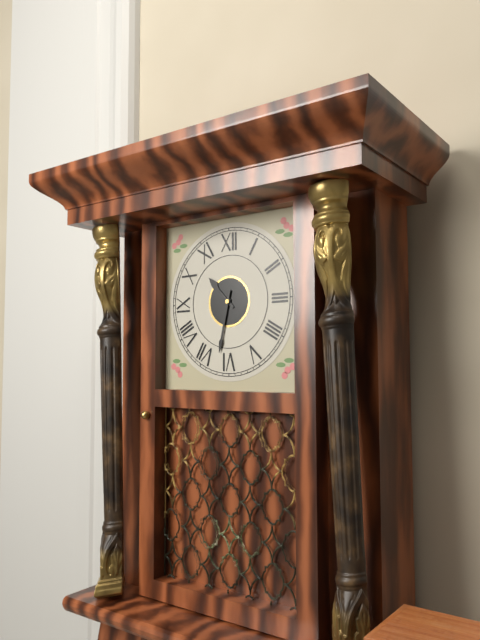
h=10 m=32
